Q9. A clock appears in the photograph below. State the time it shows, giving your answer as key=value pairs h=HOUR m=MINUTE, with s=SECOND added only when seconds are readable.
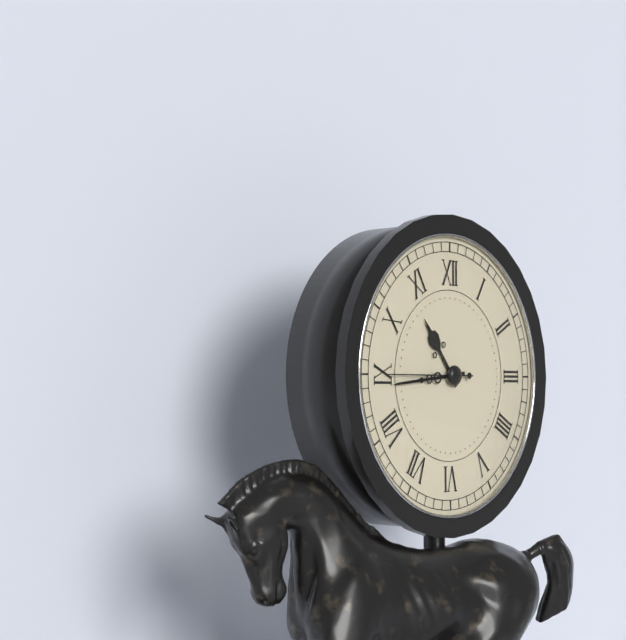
h=10 m=44 s=45
